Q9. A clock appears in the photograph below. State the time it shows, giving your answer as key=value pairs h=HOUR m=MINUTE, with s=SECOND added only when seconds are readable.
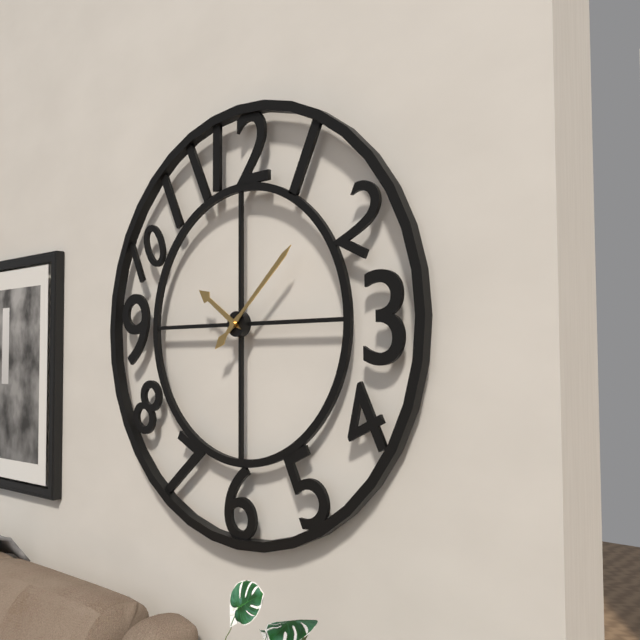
h=10 m=8
